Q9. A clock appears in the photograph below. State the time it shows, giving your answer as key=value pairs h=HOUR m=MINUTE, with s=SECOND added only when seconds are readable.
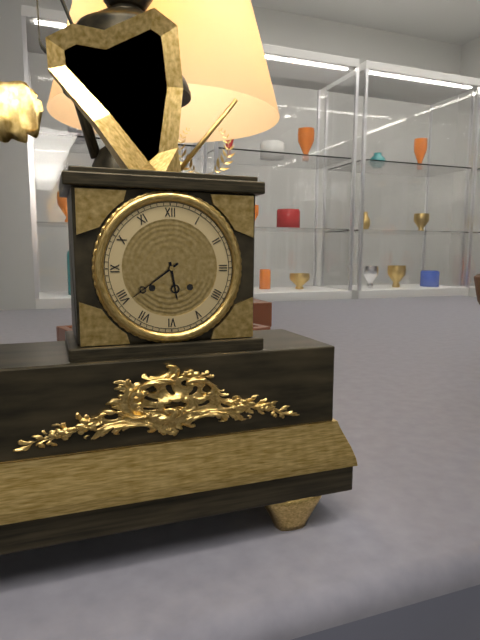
h=5 m=39
